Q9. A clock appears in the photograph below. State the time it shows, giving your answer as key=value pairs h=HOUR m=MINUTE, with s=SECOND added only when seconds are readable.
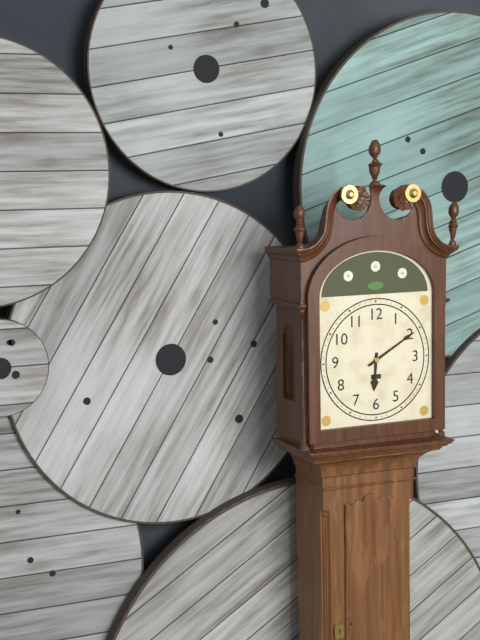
h=6 m=10
